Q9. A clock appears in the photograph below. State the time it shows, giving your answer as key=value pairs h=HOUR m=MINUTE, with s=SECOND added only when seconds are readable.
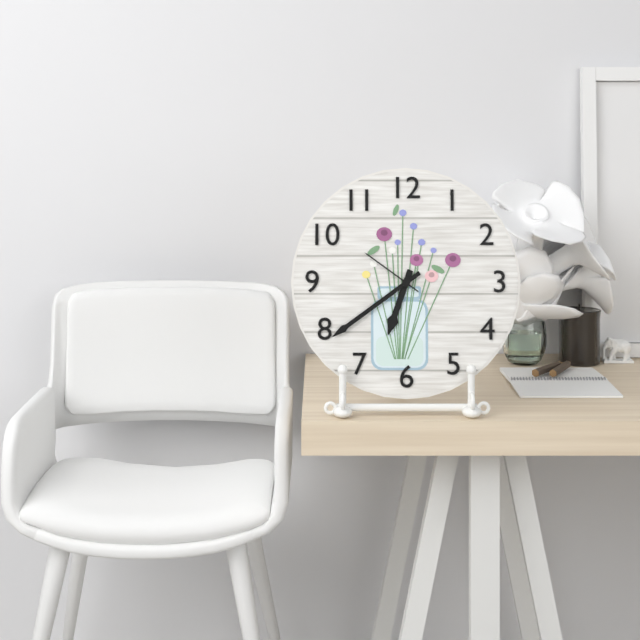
h=6 m=39 s=51
